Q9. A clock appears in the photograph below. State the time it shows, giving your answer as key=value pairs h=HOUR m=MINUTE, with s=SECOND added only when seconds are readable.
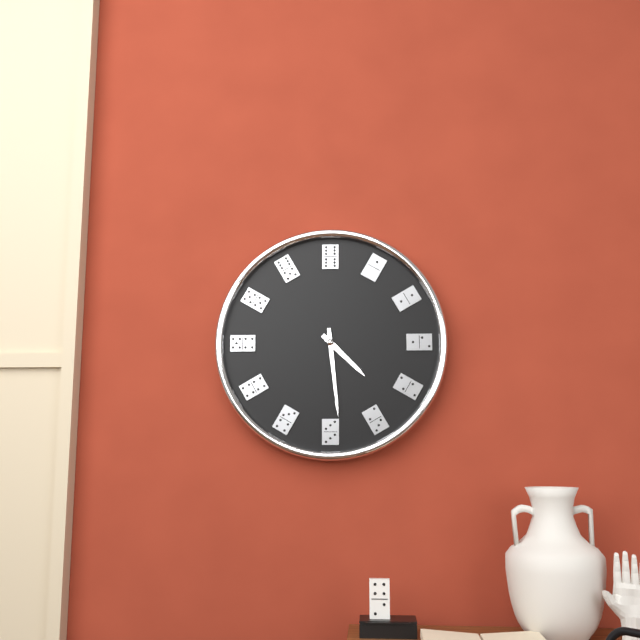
h=4 m=29
